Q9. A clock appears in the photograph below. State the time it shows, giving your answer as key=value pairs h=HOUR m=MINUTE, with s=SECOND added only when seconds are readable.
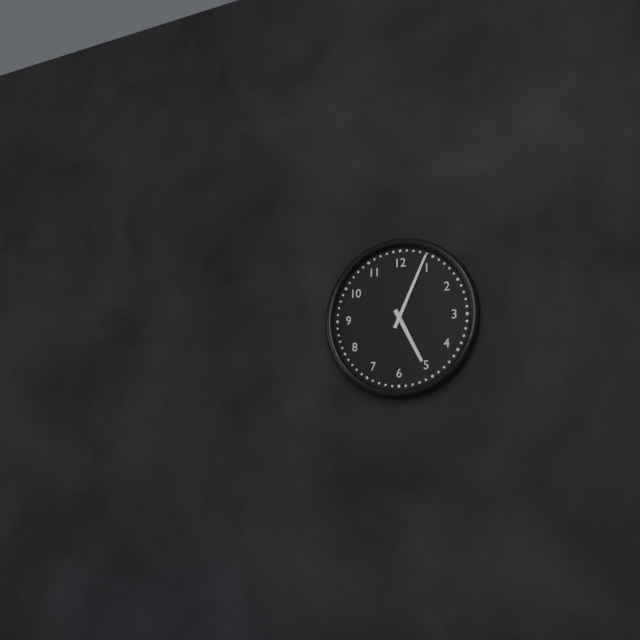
h=5 m=4
